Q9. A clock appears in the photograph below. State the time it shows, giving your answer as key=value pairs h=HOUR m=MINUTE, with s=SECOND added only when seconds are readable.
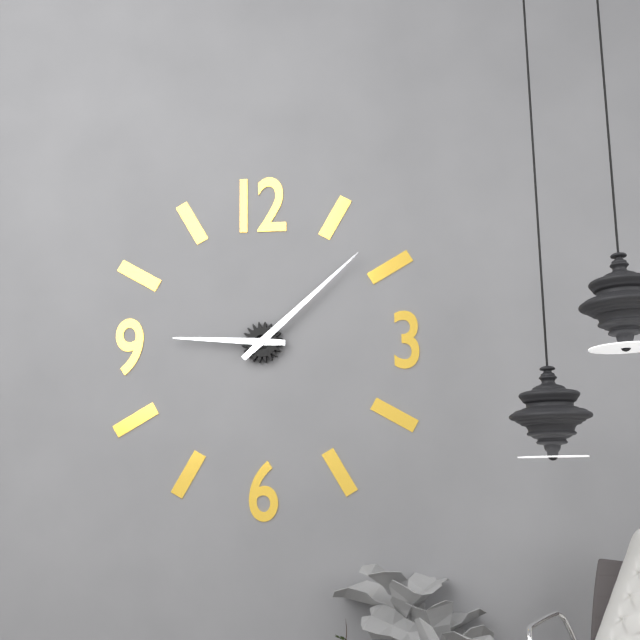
h=9 m=8
